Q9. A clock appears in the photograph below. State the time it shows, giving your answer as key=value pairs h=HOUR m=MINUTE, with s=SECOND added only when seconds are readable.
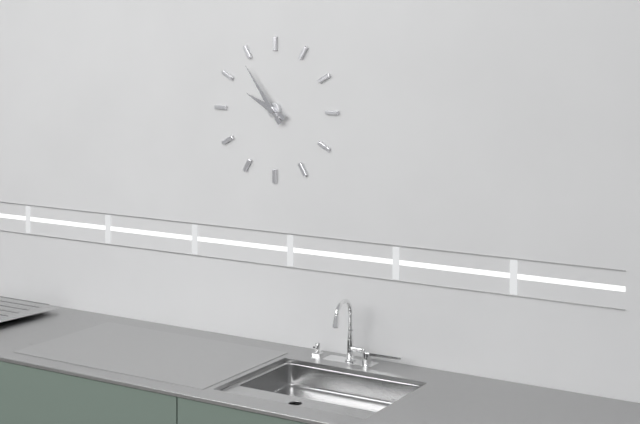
h=9 m=54
